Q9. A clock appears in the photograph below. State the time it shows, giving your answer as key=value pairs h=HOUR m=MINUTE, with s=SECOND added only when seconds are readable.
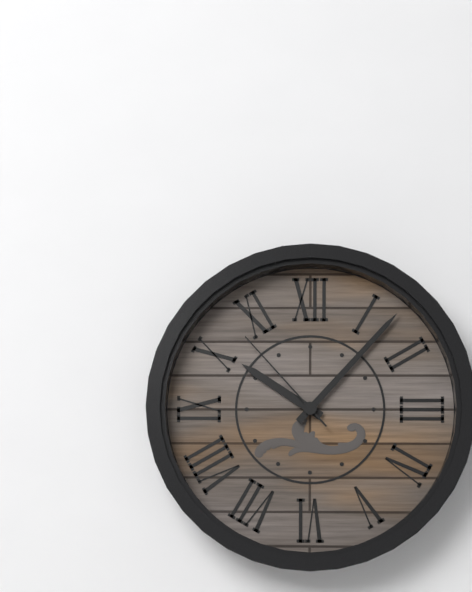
h=10 m=7 s=53
